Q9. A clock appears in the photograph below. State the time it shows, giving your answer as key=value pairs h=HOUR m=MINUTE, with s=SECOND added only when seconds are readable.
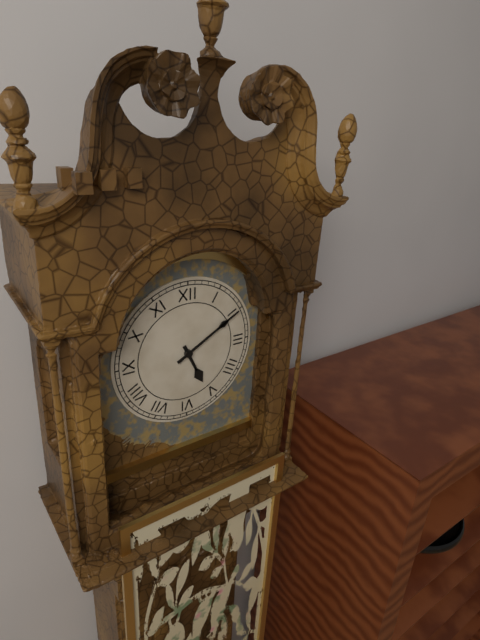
h=5 m=10
